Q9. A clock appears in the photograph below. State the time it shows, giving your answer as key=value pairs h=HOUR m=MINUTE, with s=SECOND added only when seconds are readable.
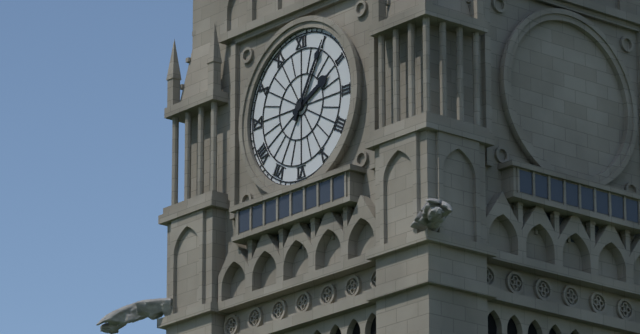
h=2 m=5
